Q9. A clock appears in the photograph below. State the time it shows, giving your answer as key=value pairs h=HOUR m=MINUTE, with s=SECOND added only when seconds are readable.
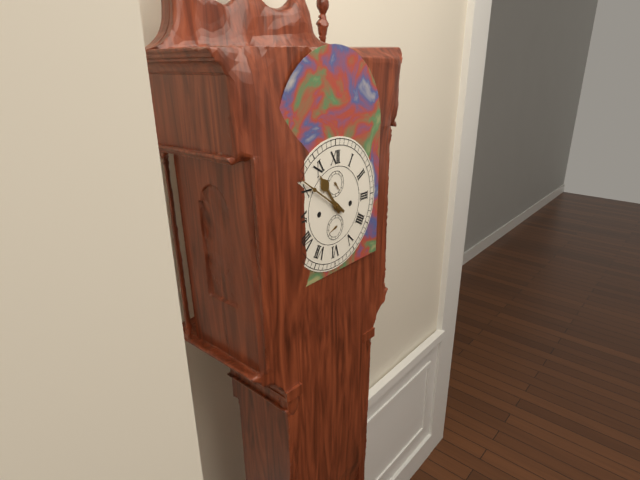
h=10 m=51
